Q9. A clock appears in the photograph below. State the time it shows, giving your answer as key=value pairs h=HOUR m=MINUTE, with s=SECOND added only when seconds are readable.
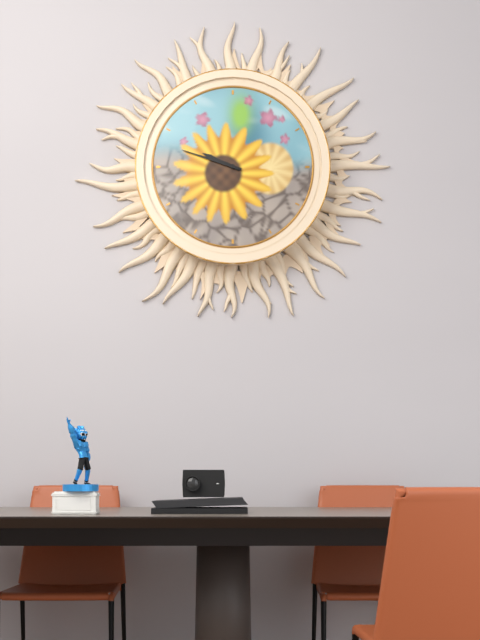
h=9 m=48
